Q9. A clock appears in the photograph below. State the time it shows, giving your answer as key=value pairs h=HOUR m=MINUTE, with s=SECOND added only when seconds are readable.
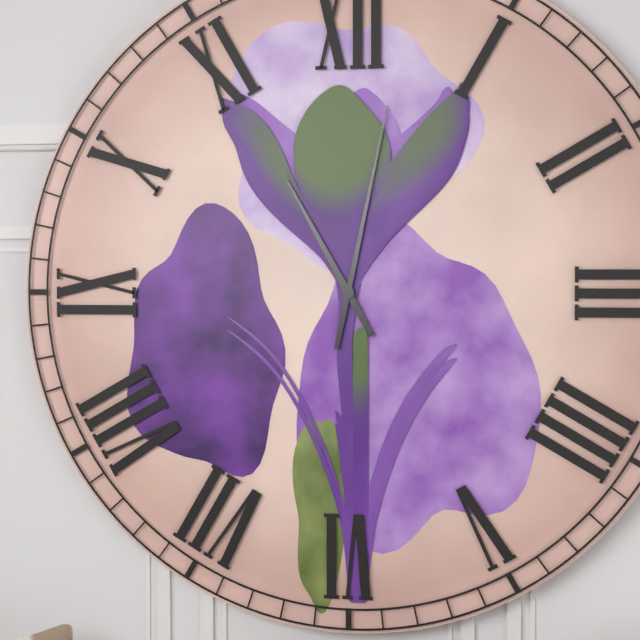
h=11 m=2
